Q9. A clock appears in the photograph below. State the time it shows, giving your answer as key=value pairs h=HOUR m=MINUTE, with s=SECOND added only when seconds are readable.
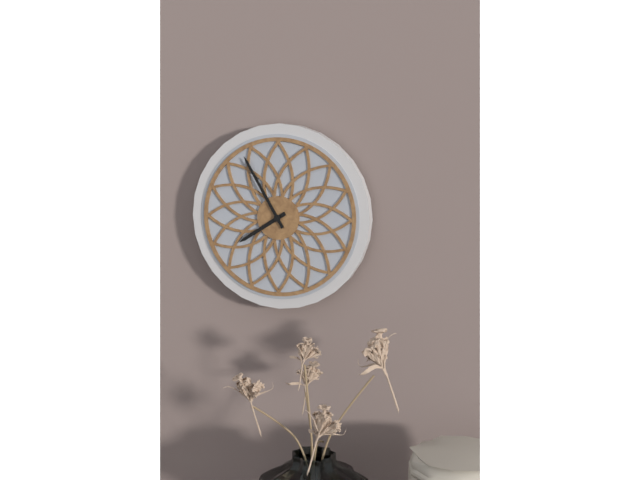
h=7 m=55
